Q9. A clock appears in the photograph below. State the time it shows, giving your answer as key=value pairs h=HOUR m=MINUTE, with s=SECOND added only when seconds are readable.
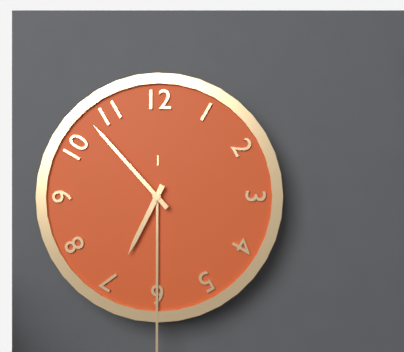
h=6 m=53
